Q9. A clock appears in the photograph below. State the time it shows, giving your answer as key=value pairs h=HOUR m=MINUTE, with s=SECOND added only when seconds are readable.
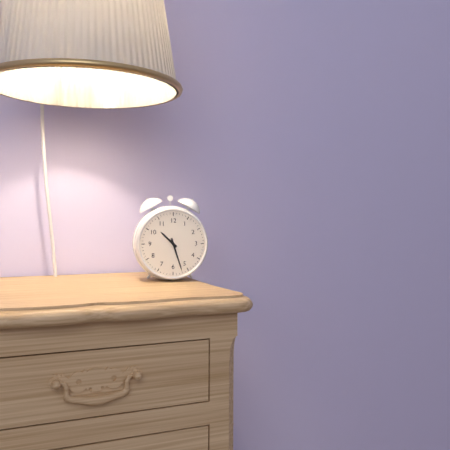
h=10 m=27
